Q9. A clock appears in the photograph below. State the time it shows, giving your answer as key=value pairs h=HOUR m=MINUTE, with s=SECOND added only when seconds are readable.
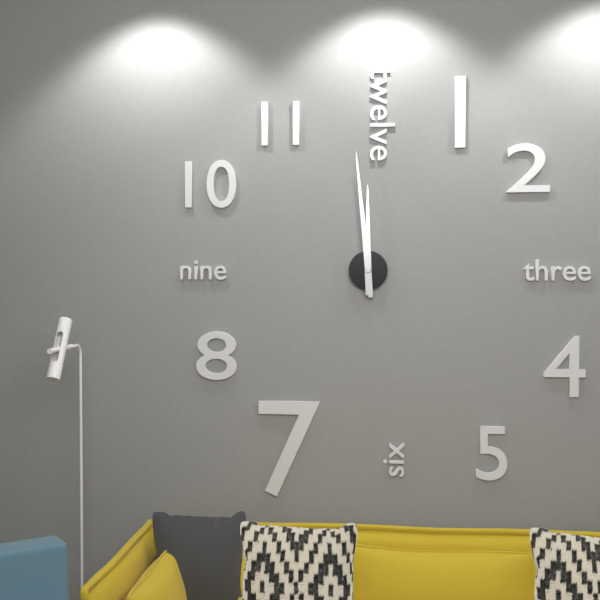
h=11 m=59
